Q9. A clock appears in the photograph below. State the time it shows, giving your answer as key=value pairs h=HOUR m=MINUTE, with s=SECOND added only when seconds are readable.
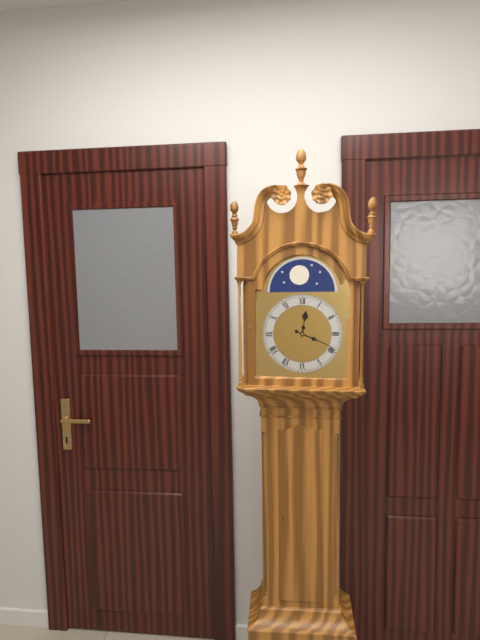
h=12 m=19
